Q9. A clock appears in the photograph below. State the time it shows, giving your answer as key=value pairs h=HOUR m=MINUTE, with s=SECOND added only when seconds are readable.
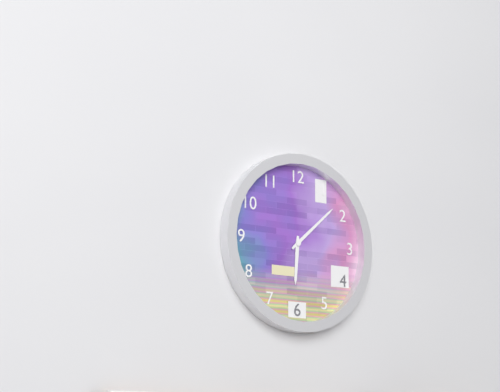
h=6 m=8
